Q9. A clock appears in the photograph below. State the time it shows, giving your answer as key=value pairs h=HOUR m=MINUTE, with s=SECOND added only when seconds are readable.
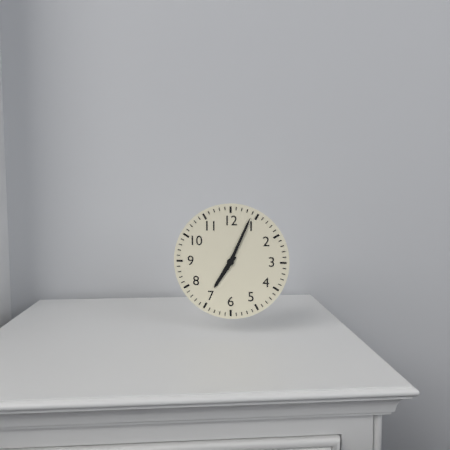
h=7 m=4
